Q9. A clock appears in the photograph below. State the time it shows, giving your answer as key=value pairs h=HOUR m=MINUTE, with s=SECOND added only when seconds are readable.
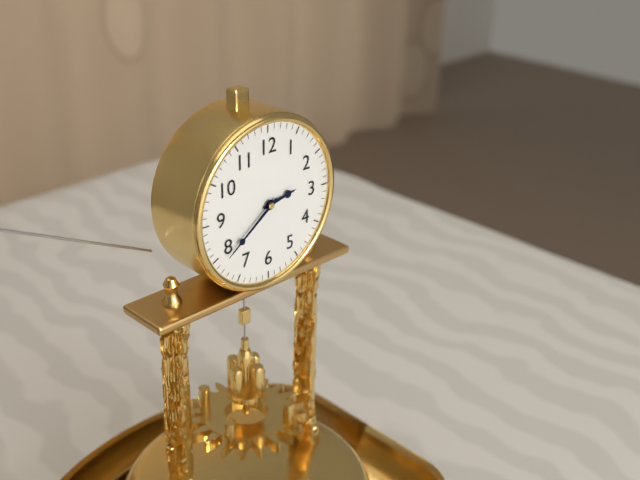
h=2 m=39
